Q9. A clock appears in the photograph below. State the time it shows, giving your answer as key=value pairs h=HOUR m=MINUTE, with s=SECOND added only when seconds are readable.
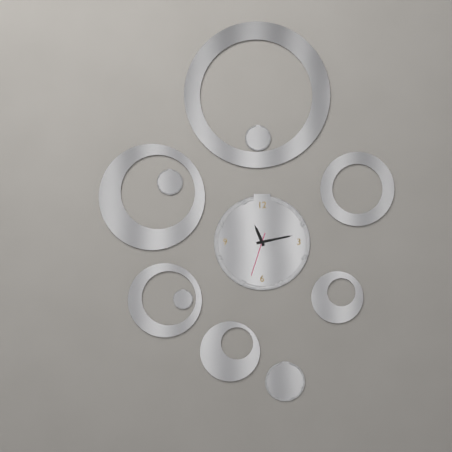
h=11 m=13
